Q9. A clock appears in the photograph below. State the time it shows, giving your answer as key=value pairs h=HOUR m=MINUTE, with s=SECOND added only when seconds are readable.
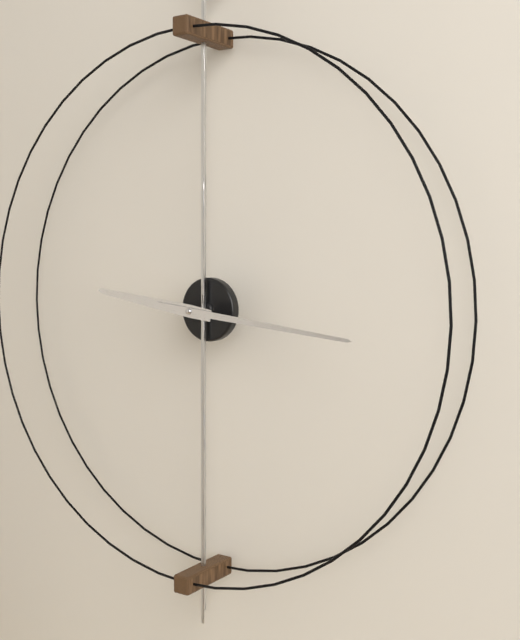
h=9 m=16
